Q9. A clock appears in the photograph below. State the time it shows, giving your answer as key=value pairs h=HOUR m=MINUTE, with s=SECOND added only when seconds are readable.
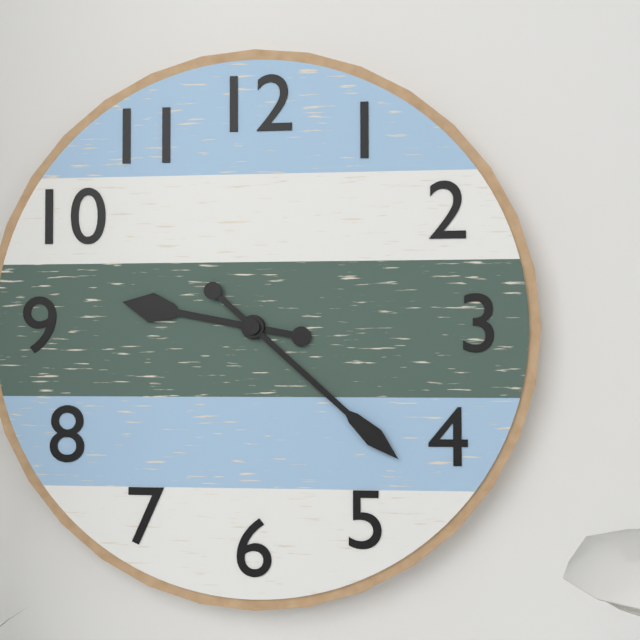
h=9 m=22
